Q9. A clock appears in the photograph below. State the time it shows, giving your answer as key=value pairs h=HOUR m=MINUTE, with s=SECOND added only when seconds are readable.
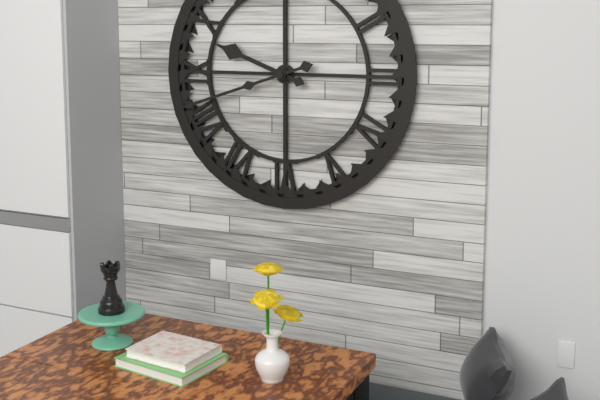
h=9 m=42
